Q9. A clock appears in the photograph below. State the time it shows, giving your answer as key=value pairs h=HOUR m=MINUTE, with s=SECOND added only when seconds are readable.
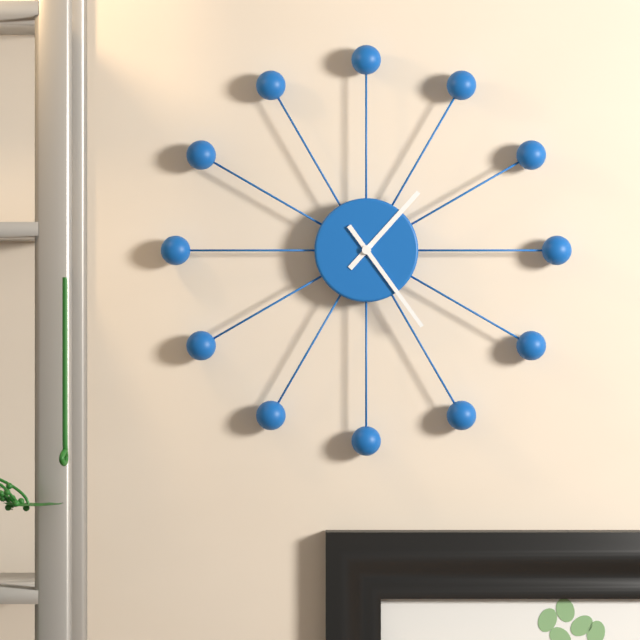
h=1 m=24
